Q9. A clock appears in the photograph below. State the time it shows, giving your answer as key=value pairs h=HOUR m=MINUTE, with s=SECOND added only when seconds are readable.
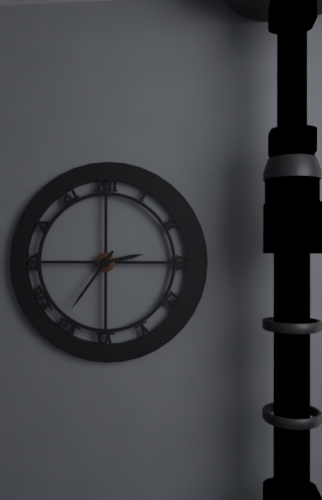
h=2 m=36
